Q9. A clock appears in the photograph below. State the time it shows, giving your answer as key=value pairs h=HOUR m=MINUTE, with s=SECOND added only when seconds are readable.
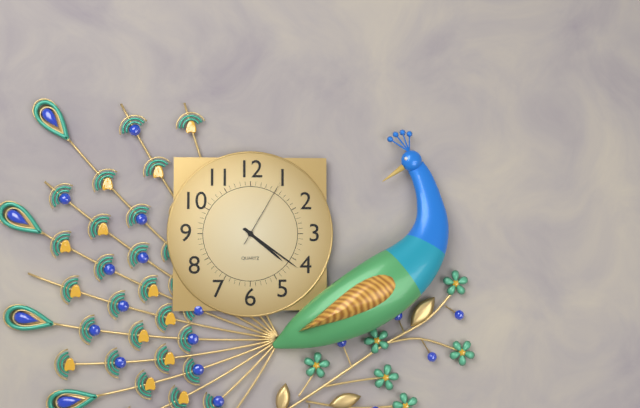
h=4 m=21 s=5
